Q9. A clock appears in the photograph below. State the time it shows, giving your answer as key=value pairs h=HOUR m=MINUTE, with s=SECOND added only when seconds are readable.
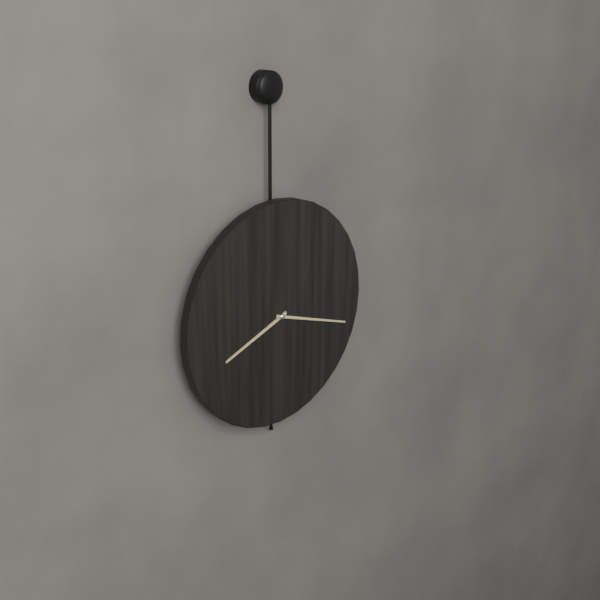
h=8 m=18
